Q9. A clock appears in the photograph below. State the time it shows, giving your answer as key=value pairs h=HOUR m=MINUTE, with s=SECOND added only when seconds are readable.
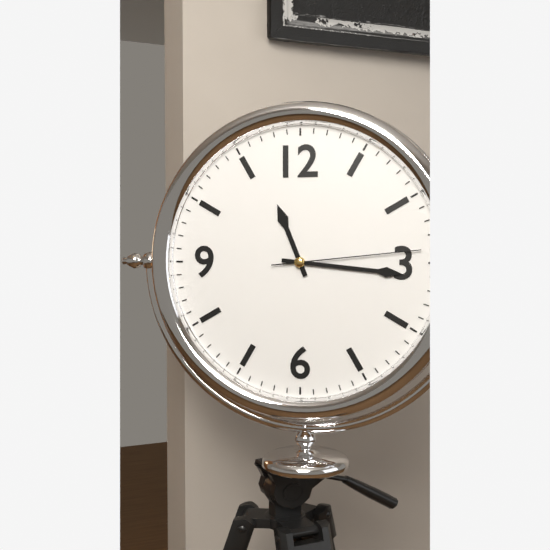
h=11 m=16 s=14
